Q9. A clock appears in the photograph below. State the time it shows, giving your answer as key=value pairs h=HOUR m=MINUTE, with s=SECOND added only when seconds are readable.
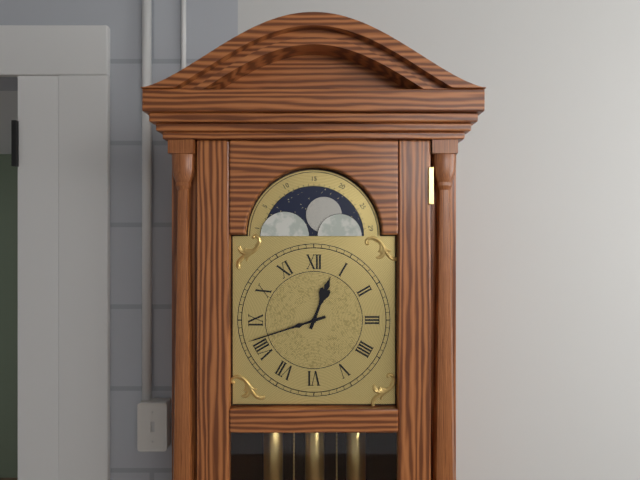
h=12 m=42
